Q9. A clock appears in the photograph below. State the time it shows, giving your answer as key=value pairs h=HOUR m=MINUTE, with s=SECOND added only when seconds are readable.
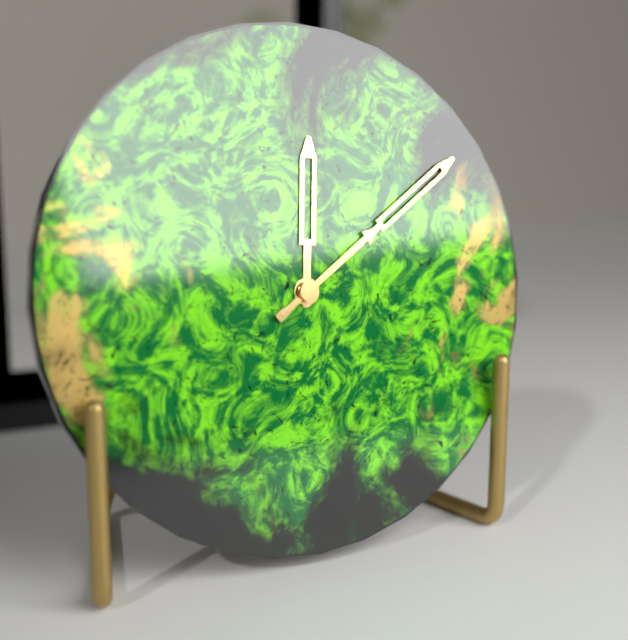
h=12 m=9
